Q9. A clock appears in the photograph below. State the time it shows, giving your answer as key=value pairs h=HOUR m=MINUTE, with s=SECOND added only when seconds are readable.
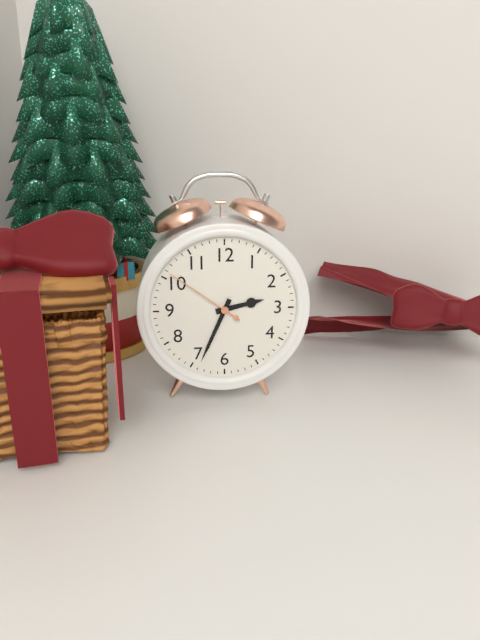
h=2 m=34 s=51
